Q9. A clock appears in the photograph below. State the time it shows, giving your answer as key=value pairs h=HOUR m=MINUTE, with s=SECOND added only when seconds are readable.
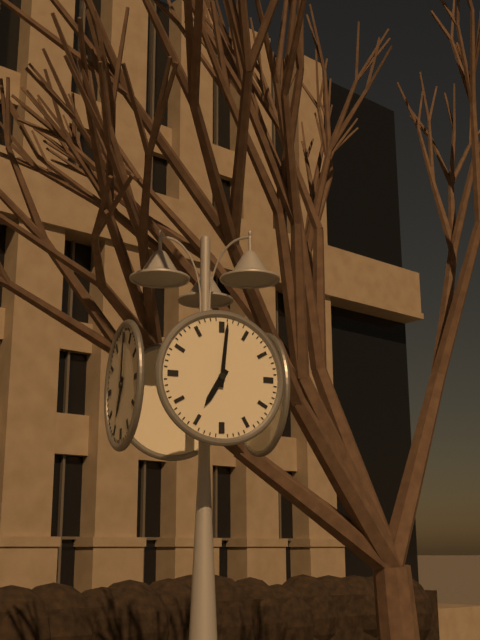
h=7 m=1
